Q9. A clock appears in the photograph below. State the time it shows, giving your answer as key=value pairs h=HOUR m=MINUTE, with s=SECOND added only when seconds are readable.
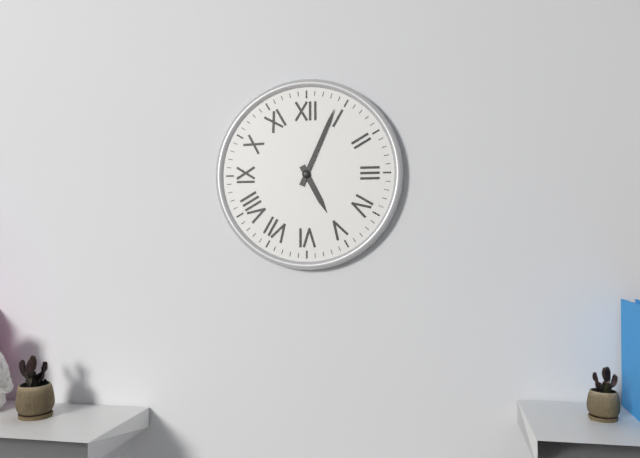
h=5 m=4
